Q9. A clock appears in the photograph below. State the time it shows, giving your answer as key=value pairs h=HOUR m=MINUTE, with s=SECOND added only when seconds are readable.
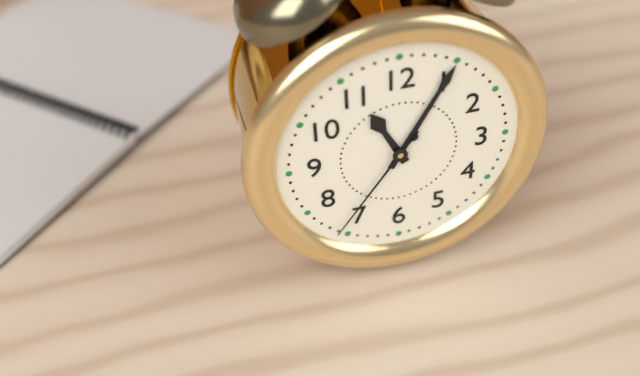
h=11 m=5 s=36
